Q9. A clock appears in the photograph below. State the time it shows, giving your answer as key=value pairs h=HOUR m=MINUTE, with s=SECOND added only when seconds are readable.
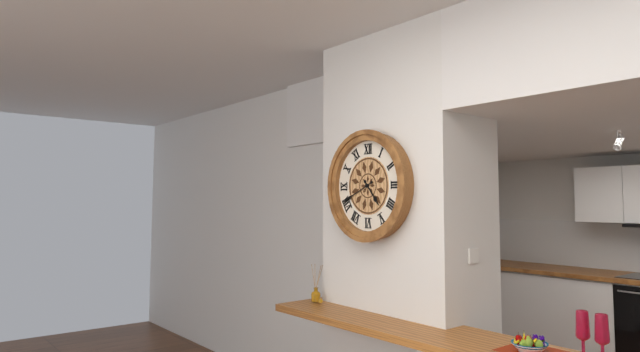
h=4 m=41
